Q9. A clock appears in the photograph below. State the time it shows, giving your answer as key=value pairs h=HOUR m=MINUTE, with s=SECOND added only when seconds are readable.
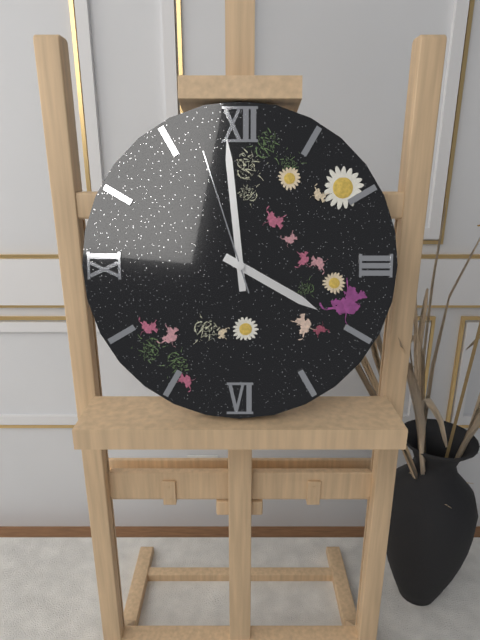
h=3 m=59 s=57
